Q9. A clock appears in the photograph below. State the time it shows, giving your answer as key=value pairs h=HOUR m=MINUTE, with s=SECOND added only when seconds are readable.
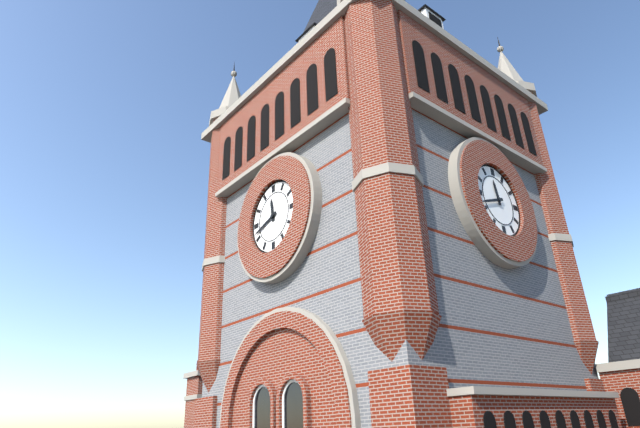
h=11 m=42
